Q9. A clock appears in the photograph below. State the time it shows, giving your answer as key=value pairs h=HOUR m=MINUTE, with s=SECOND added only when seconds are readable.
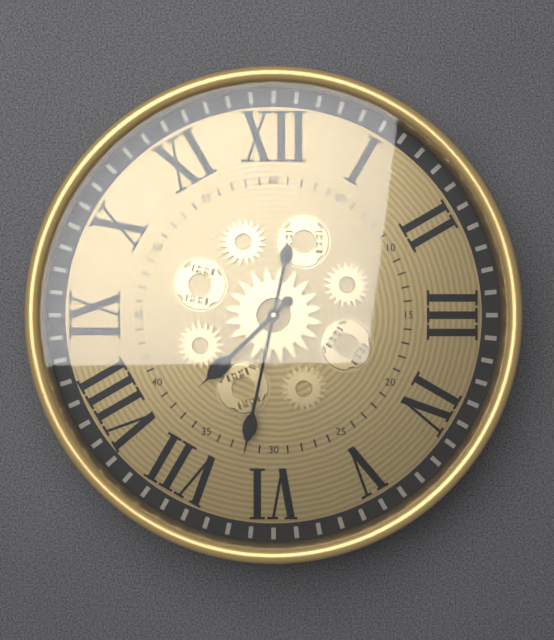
h=7 m=32
